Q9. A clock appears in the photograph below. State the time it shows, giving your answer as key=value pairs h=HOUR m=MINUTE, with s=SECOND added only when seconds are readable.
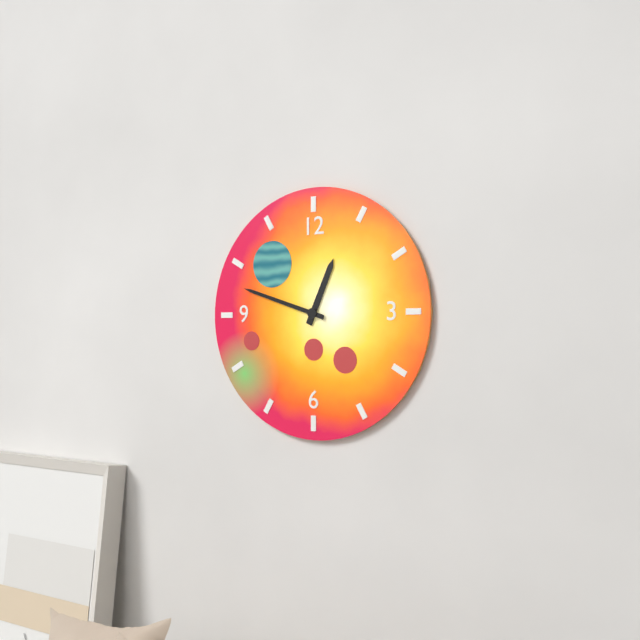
h=12 m=48
